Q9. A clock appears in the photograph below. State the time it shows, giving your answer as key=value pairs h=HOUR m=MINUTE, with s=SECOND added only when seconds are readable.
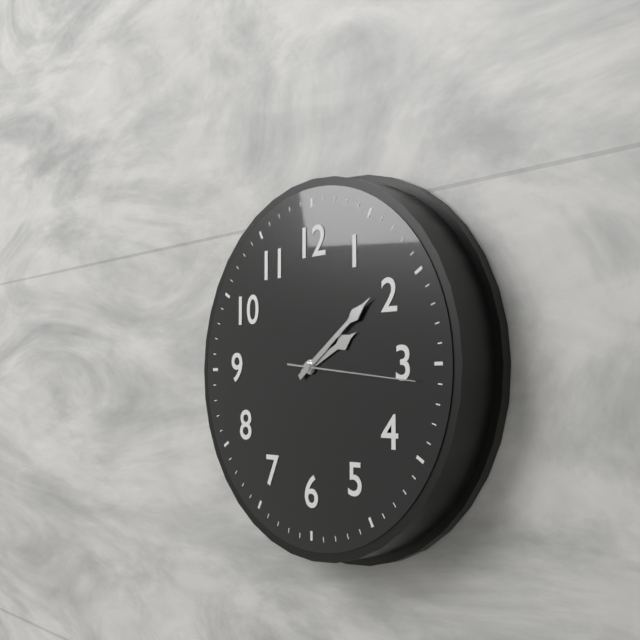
h=2 m=9 s=16
